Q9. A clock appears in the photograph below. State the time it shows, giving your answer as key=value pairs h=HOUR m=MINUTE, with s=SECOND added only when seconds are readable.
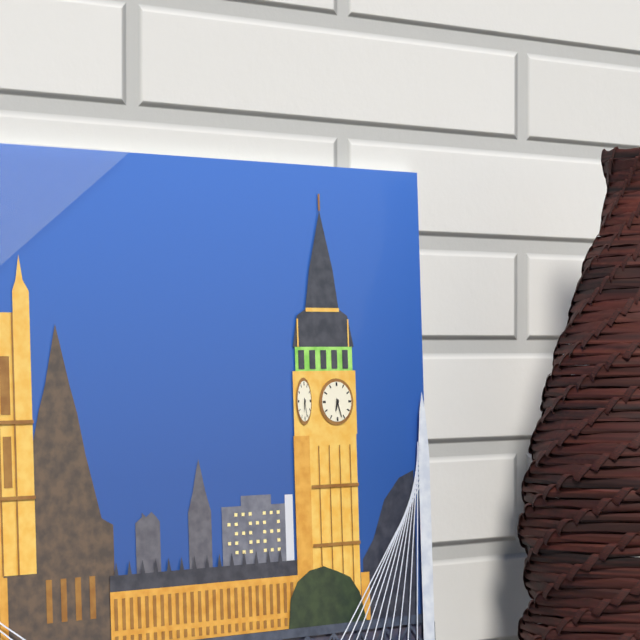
h=6 m=27
